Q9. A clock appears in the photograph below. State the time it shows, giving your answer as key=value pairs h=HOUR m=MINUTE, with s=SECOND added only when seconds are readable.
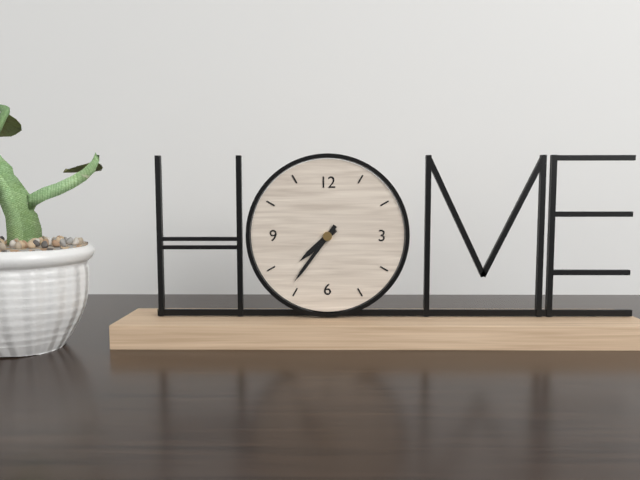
h=7 m=36
